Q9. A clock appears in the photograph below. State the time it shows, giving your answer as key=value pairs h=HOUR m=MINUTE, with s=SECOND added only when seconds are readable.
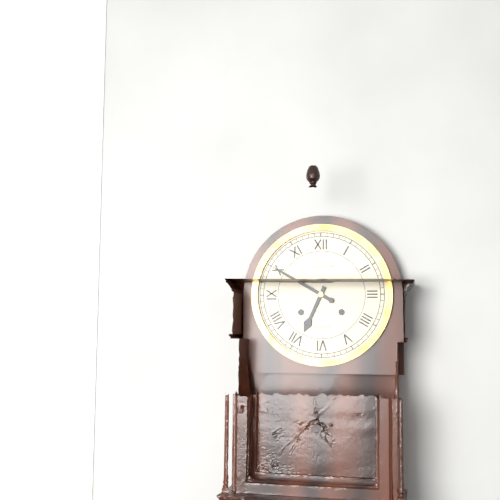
h=6 m=50
